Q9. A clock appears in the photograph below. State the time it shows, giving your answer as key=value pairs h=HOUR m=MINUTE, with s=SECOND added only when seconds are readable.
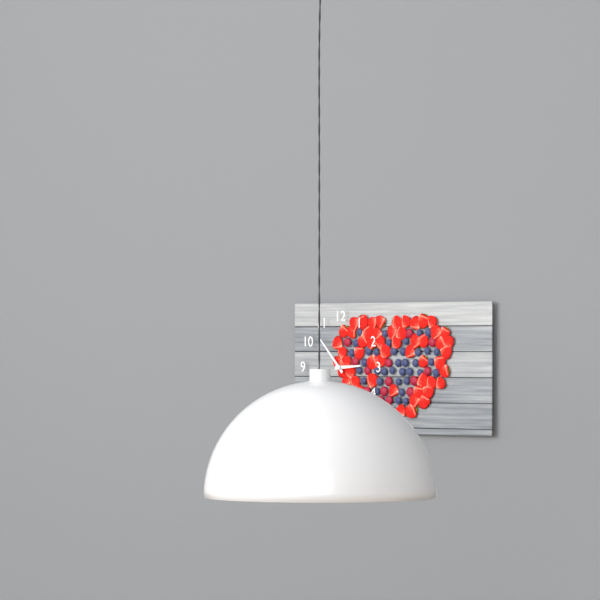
h=2 m=53
